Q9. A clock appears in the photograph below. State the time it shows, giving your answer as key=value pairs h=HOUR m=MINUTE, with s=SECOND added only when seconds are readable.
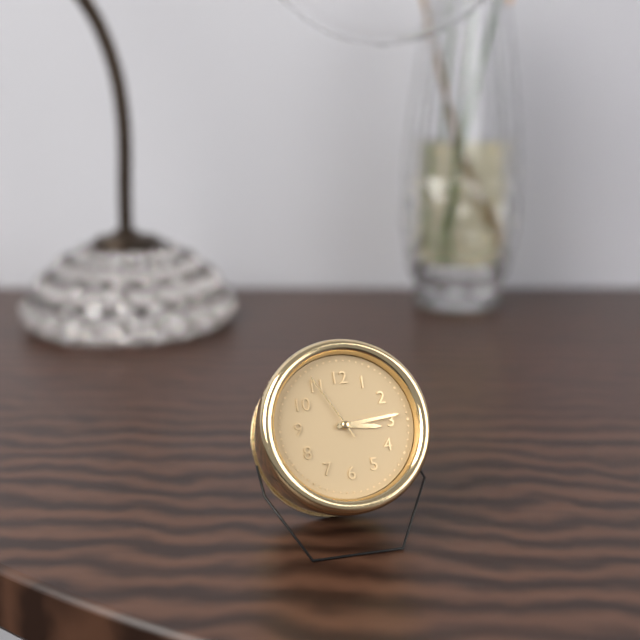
h=3 m=14 s=55
